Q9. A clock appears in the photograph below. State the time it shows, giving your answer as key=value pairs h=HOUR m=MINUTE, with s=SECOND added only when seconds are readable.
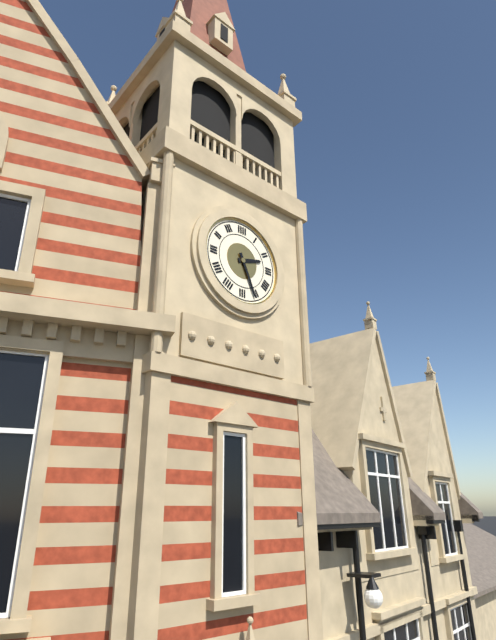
h=2 m=26
